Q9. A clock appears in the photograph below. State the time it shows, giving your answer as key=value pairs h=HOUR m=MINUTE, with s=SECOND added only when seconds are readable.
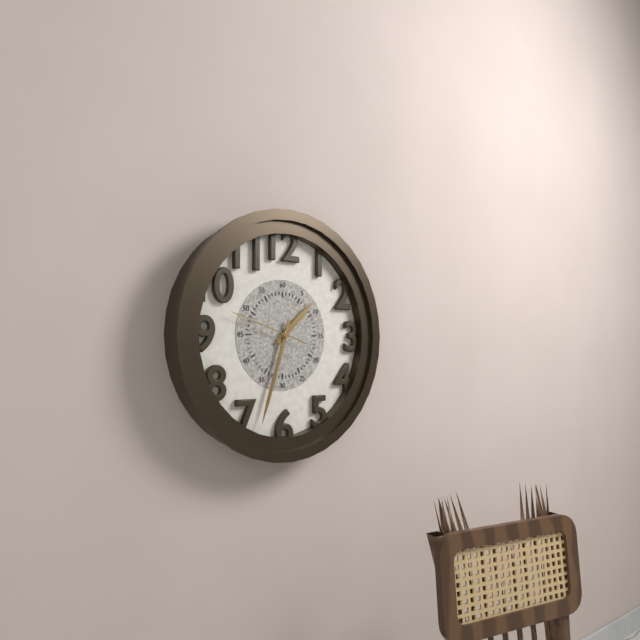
h=1 m=33 s=48
